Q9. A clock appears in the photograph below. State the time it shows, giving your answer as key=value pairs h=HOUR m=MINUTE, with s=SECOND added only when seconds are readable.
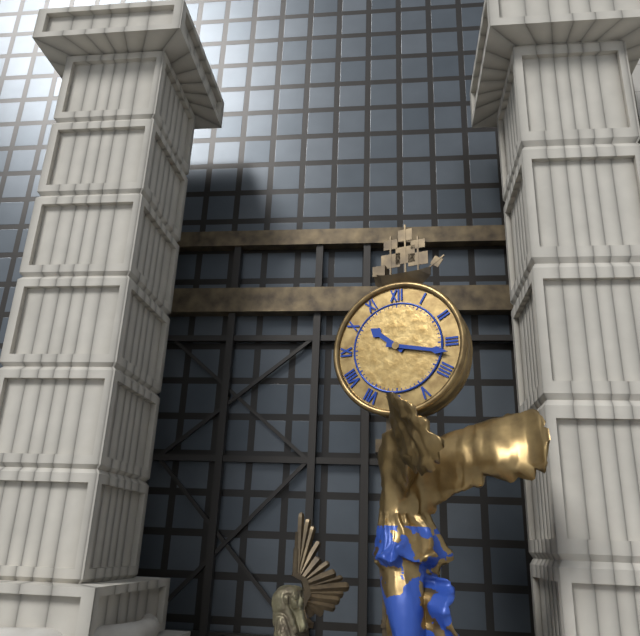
h=10 m=17
